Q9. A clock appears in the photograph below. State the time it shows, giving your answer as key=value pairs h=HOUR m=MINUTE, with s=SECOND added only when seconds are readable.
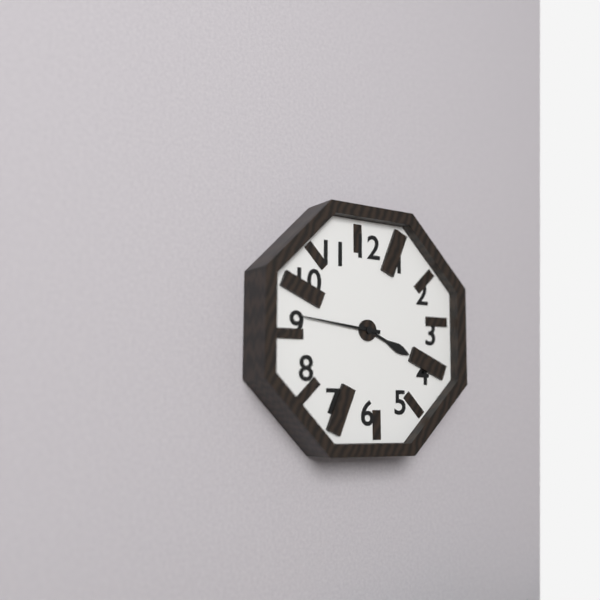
h=3 m=46
